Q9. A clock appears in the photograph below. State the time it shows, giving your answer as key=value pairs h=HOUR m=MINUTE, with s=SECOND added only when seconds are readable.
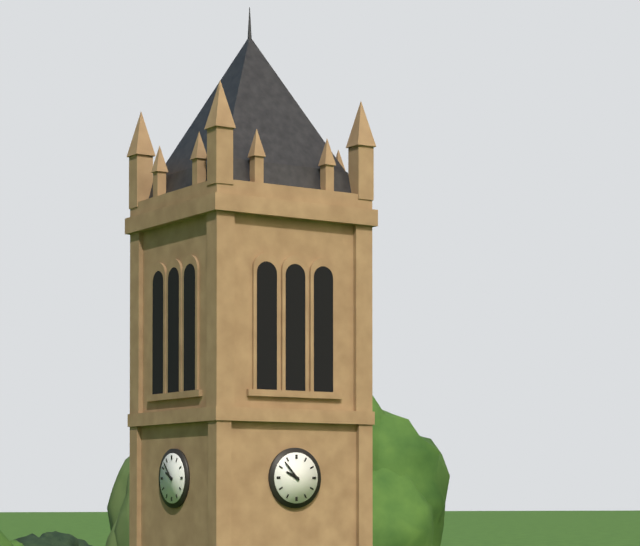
h=9 m=53
